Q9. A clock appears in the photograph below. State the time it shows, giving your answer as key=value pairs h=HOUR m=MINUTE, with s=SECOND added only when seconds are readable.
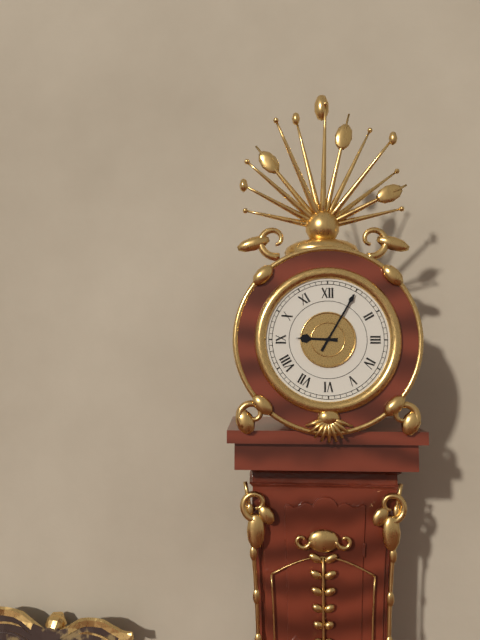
h=9 m=5
